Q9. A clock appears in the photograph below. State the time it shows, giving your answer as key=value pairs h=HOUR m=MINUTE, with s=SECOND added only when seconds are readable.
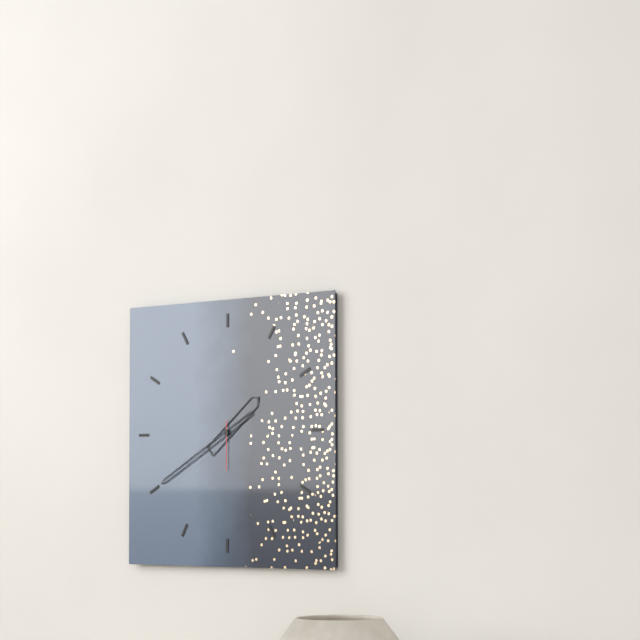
h=1 m=40
